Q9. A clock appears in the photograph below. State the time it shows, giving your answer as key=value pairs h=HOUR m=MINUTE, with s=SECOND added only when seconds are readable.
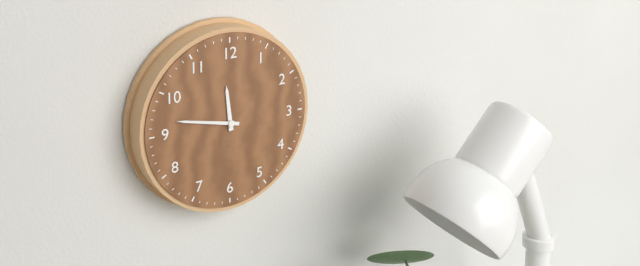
h=11 m=47
